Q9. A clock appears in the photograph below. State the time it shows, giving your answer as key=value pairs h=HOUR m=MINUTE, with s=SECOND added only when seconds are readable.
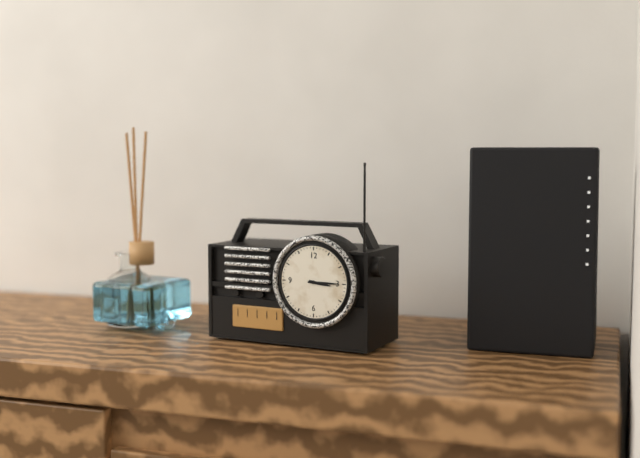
h=3 m=15
